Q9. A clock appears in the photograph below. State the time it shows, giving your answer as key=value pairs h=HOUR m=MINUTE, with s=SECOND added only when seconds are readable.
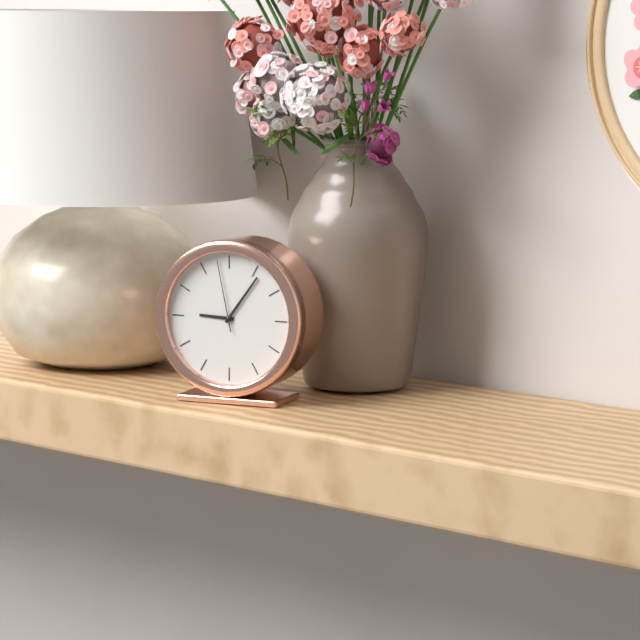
h=9 m=6 s=58
